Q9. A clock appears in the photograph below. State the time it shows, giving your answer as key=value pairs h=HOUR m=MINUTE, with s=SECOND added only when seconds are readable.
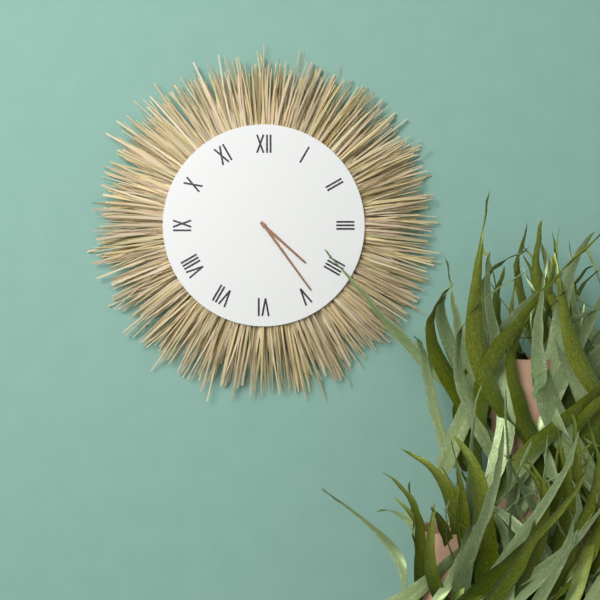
h=4 m=24
